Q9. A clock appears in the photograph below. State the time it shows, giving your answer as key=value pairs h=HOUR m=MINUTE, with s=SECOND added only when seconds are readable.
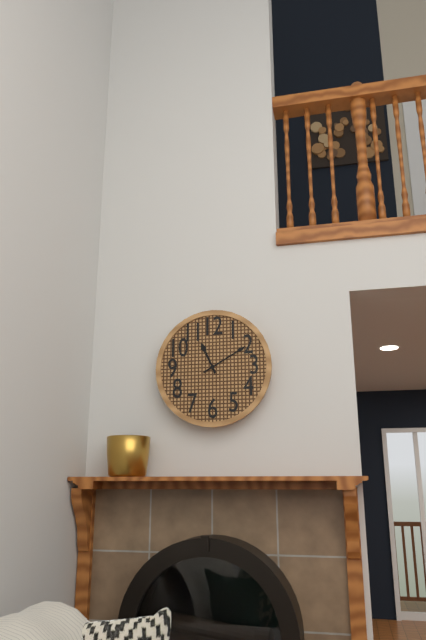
h=11 m=10
